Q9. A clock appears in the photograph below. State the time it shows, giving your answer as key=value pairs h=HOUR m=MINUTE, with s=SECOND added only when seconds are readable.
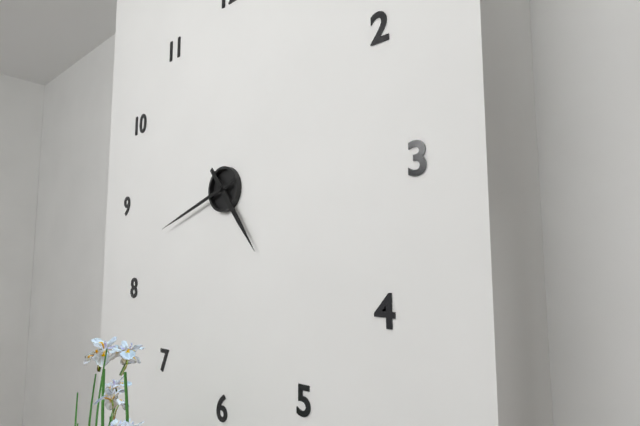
h=4 m=42
